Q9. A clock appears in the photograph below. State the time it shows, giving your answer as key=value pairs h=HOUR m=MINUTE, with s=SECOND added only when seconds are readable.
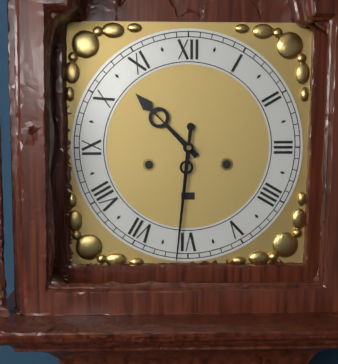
h=10 m=31
